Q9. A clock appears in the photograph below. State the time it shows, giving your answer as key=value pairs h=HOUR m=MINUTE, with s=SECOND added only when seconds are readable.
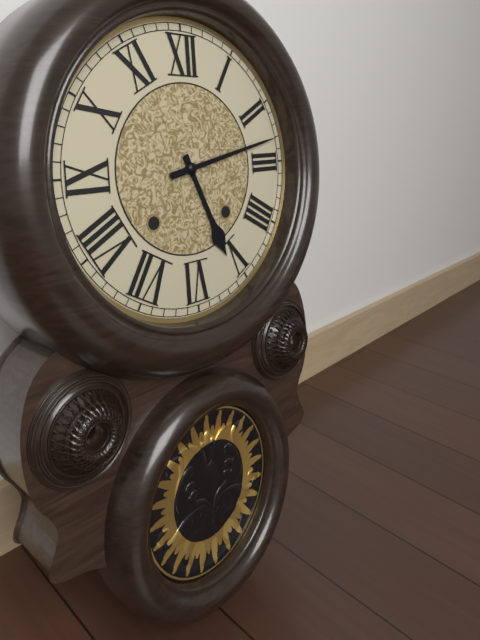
h=5 m=13
